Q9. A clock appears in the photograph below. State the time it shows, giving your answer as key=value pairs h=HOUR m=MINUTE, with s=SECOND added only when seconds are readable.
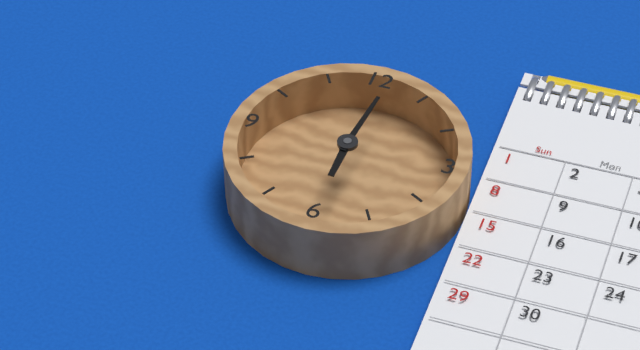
h=6 m=1
